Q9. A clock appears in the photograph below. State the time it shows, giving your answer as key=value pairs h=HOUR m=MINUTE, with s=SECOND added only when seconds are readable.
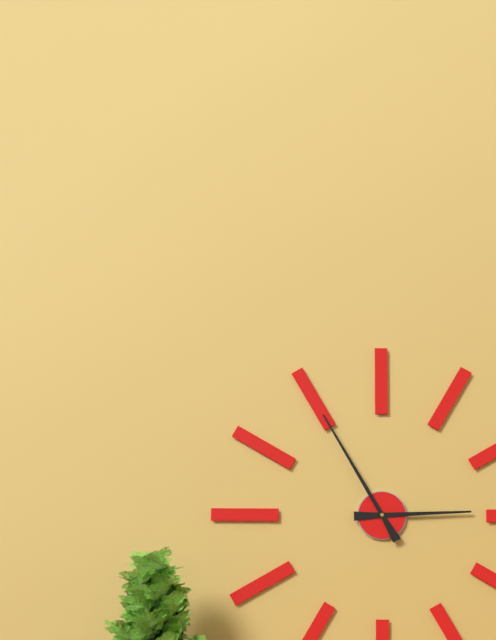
h=2 m=55
